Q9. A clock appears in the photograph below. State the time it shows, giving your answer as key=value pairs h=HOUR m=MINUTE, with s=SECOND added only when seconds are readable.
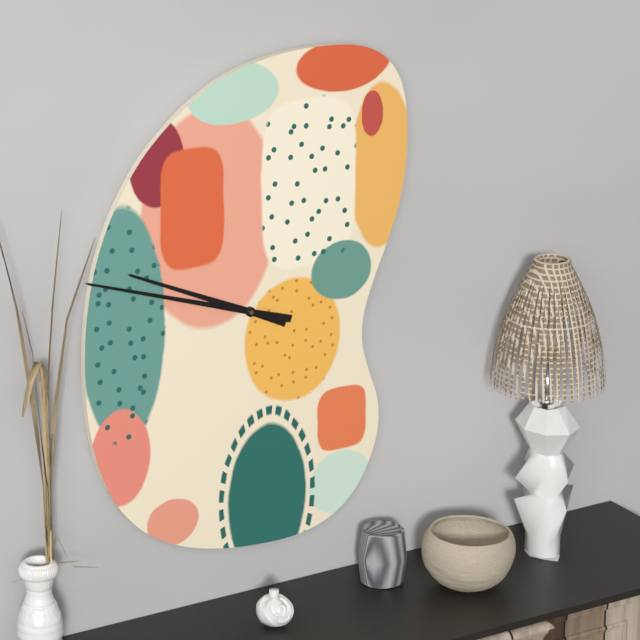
h=9 m=48
